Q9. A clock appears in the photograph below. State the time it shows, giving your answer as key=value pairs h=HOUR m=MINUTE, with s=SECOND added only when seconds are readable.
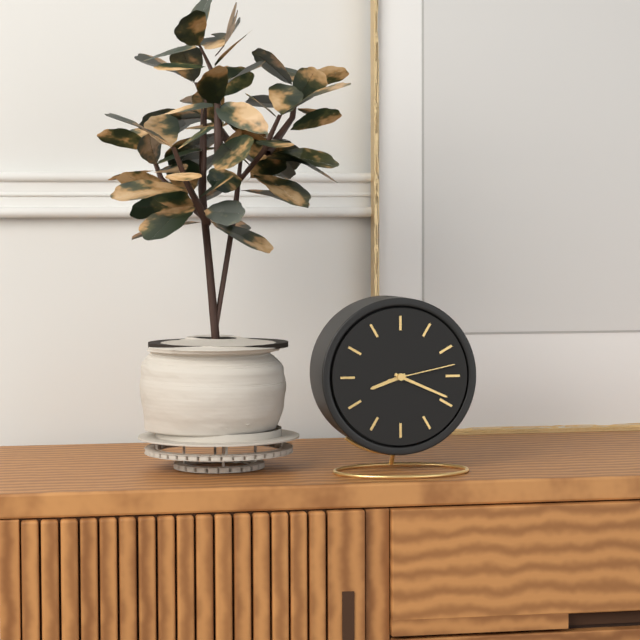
h=8 m=19 s=13
